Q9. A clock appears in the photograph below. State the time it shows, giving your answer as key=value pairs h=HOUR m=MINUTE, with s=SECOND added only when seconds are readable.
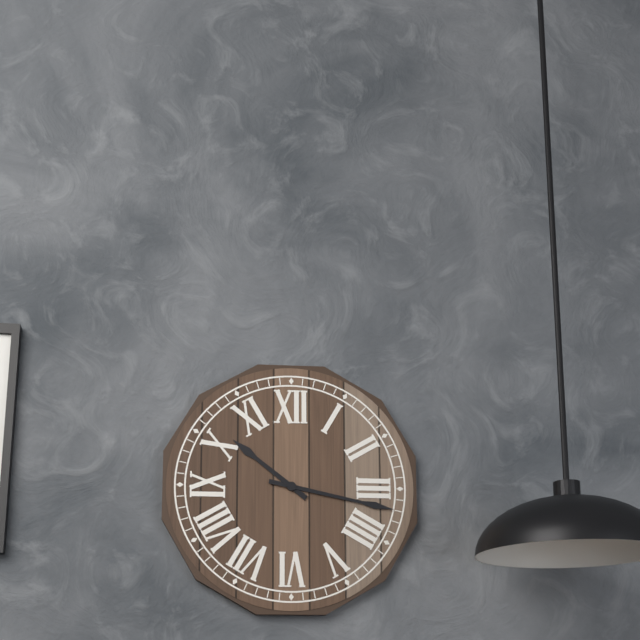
h=10 m=17
